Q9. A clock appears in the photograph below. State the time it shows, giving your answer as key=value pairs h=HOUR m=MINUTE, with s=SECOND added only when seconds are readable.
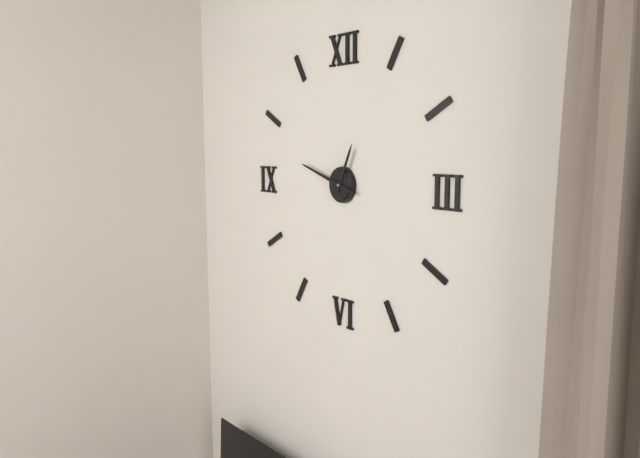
h=12 m=48
